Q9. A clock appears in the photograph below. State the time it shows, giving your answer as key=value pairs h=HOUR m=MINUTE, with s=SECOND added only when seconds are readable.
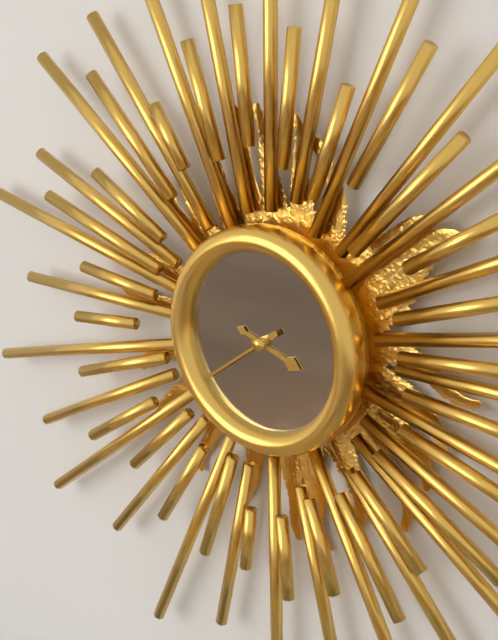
h=3 m=39
